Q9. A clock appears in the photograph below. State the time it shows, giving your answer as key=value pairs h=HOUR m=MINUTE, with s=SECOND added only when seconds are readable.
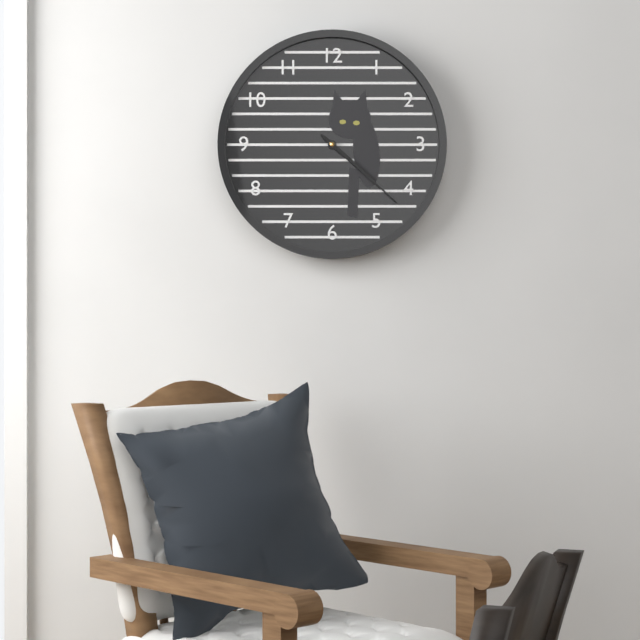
h=4 m=22
